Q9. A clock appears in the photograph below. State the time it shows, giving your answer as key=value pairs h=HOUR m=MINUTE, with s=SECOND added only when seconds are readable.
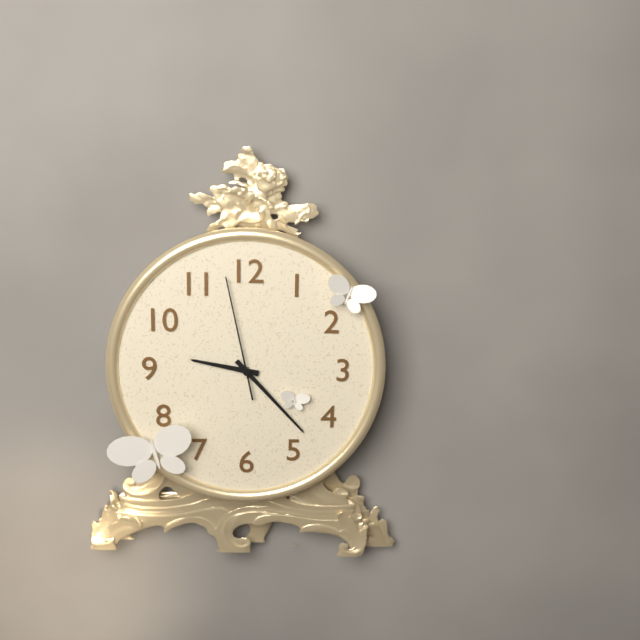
h=9 m=23 s=58
